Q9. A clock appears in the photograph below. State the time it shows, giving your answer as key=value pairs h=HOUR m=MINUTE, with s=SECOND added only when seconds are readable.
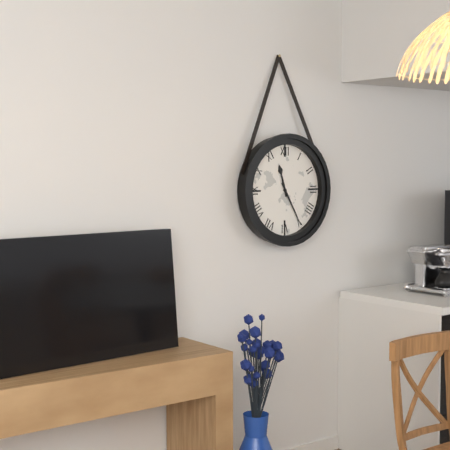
h=11 m=25
